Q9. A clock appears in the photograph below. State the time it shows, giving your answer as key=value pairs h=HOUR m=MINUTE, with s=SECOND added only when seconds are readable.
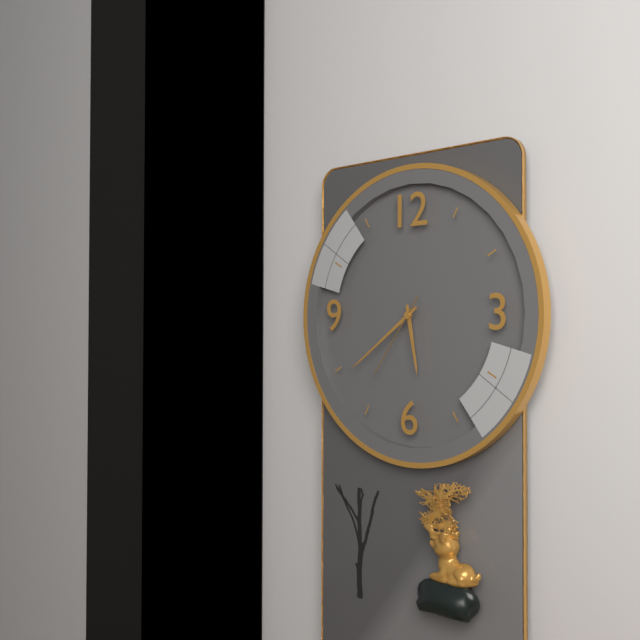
h=5 m=39 s=36
